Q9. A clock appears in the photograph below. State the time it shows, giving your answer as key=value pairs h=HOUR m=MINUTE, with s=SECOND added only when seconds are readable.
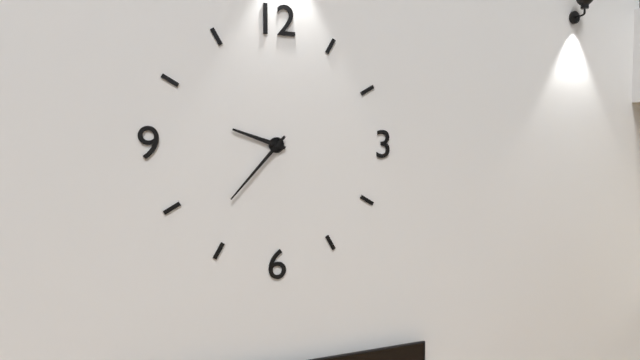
h=9 m=37
